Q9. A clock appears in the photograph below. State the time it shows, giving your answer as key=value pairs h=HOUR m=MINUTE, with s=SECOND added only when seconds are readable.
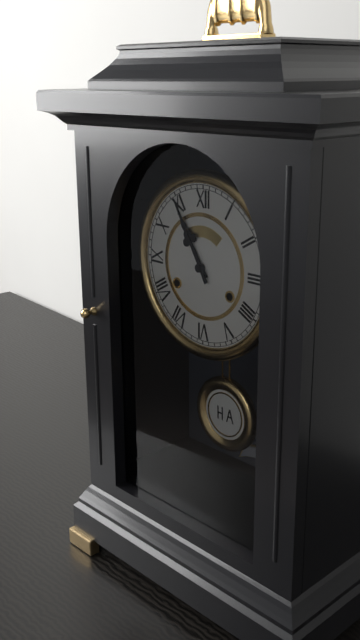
h=10 m=55
